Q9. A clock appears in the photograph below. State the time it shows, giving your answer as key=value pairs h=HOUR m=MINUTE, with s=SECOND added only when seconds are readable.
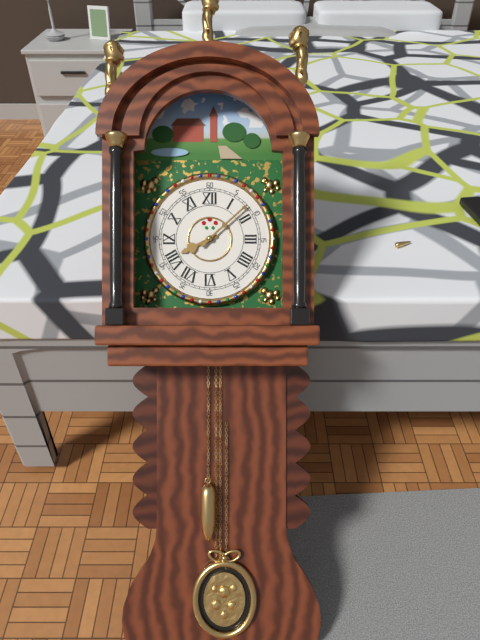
h=8 m=8
